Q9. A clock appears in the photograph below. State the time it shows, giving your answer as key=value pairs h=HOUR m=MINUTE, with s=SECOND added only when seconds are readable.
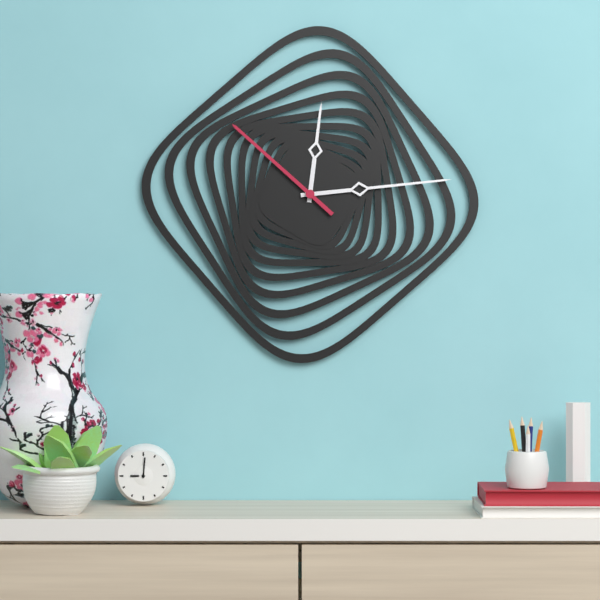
h=12 m=14 s=52
